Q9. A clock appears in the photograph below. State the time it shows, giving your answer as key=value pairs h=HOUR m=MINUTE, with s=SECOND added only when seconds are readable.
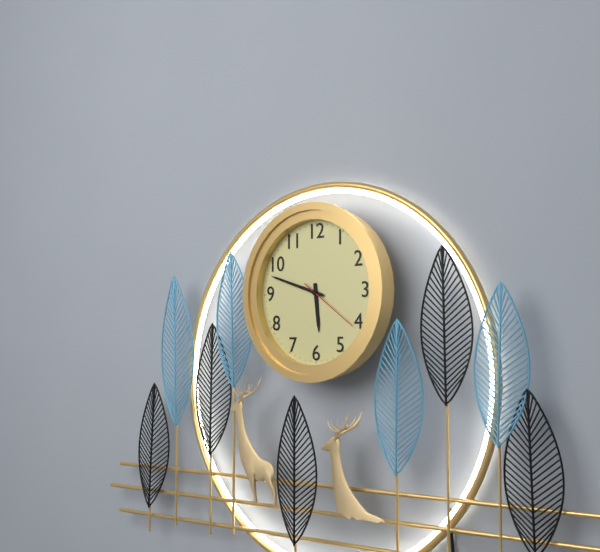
h=5 m=48 s=21
